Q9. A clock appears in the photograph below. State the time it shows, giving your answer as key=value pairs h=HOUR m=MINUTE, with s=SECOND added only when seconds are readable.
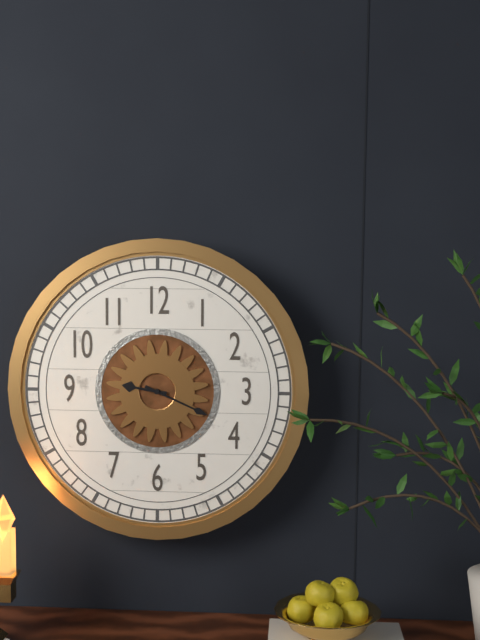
h=9 m=19
